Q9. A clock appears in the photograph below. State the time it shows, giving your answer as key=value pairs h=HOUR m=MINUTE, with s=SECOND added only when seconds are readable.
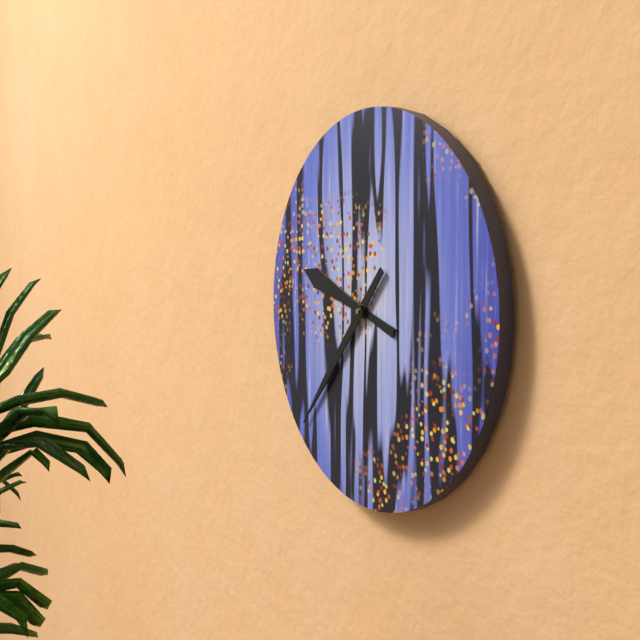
h=9 m=37
